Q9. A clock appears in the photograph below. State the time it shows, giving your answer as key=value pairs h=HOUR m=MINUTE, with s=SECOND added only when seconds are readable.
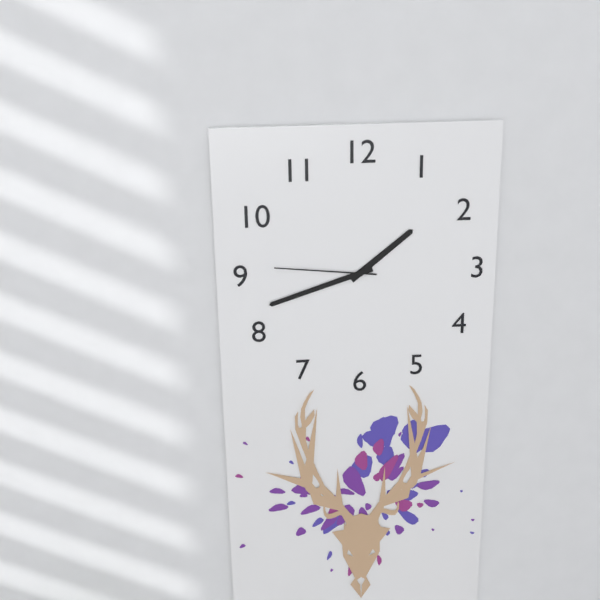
h=1 m=42 s=46
